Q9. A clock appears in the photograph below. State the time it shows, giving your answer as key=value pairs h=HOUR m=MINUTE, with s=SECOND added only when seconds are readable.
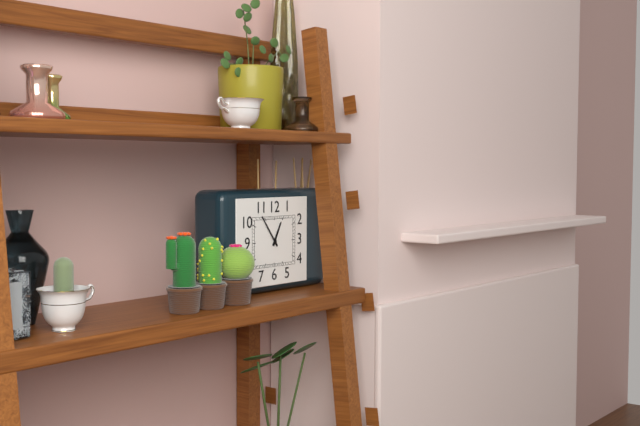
h=12 m=54
